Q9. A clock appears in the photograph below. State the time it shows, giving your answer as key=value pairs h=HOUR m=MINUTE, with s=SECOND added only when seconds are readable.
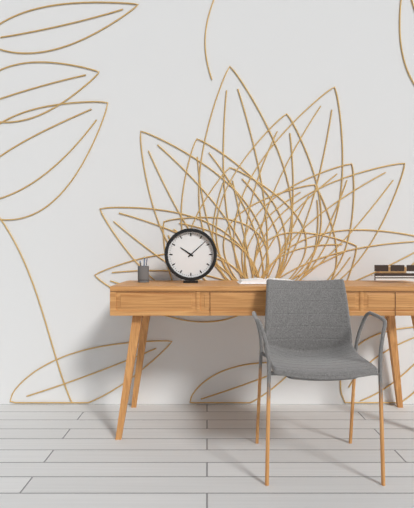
h=10 m=8
